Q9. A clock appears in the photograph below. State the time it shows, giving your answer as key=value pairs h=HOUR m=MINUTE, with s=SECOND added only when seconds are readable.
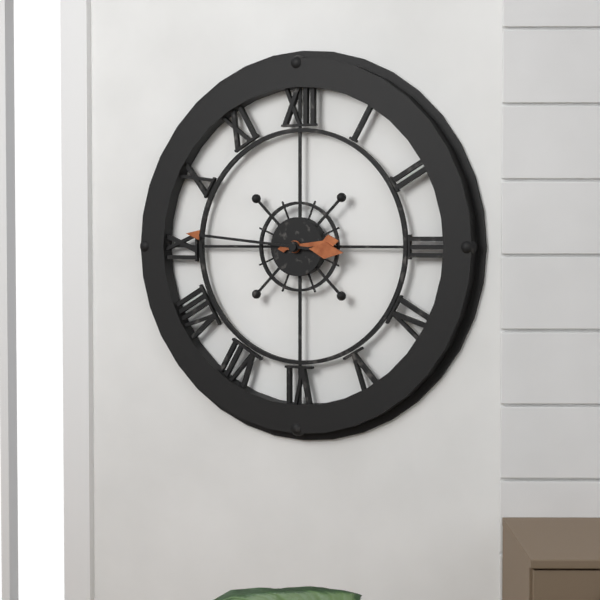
h=2 m=46
